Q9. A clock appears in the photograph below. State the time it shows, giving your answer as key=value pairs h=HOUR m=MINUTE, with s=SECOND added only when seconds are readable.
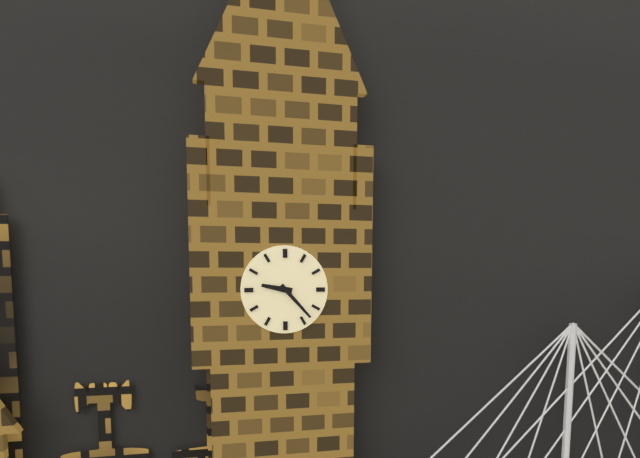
h=9 m=23
